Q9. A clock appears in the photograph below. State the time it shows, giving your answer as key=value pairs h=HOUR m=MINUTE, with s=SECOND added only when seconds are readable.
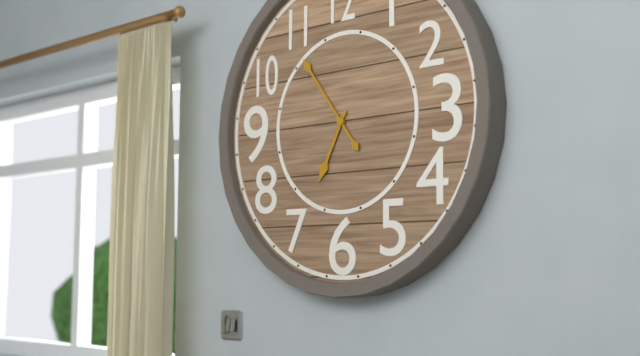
h=6 m=54
